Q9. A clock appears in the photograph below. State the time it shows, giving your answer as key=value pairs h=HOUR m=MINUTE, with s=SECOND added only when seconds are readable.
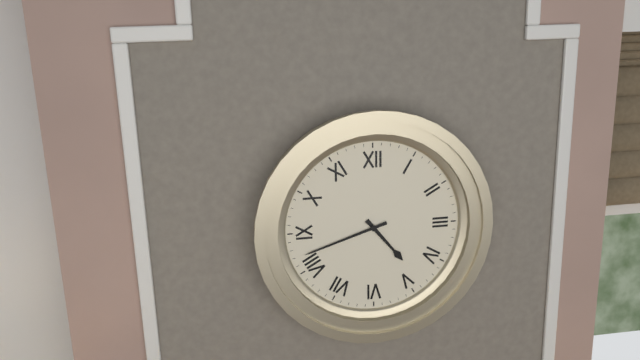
h=4 m=42
